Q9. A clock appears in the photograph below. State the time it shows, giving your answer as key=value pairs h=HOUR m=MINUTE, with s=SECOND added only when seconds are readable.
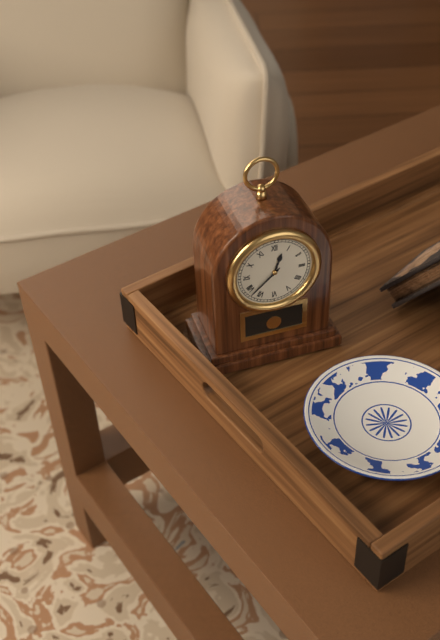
h=12 m=38
